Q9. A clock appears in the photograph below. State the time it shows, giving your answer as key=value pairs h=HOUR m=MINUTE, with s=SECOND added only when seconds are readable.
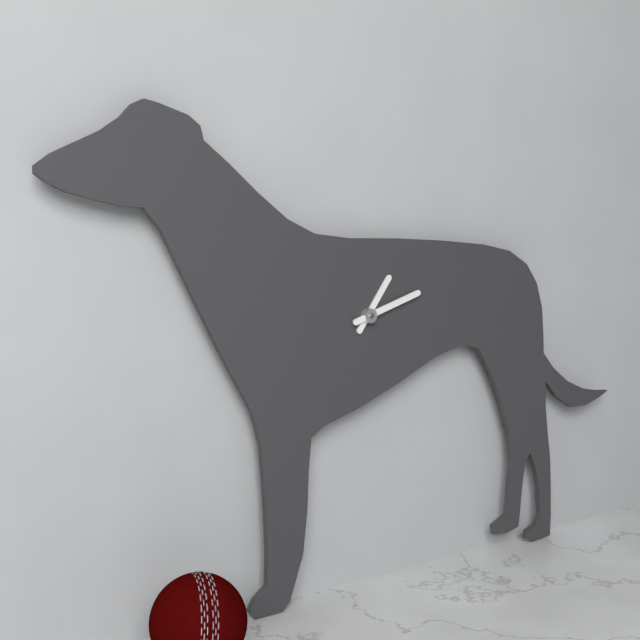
h=1 m=12
